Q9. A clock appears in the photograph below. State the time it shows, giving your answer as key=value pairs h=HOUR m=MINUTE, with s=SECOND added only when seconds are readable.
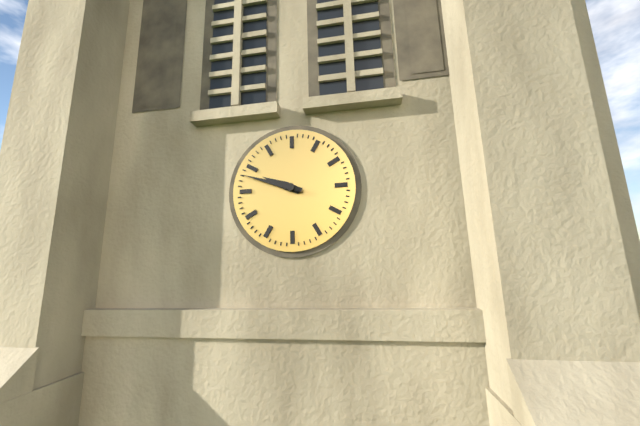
h=9 m=48
